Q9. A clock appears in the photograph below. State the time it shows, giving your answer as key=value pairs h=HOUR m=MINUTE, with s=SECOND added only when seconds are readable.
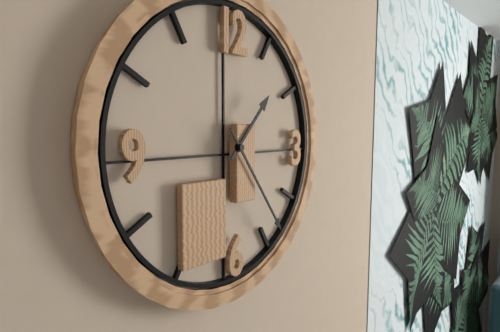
h=1 m=24
